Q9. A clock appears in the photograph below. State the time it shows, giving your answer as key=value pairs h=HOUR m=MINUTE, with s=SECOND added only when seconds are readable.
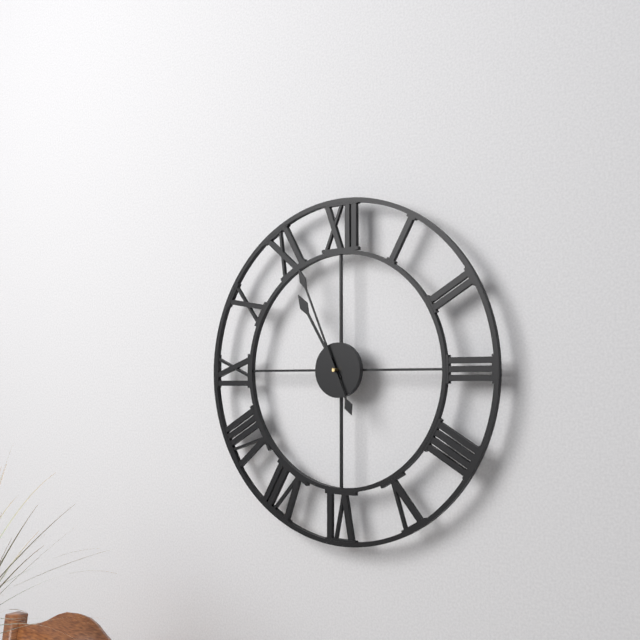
h=10 m=56
